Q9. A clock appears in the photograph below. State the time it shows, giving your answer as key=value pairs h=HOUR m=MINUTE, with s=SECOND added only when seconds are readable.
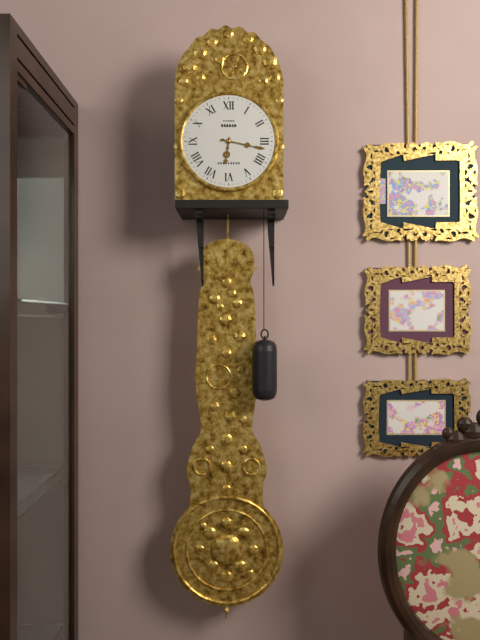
h=6 m=17
